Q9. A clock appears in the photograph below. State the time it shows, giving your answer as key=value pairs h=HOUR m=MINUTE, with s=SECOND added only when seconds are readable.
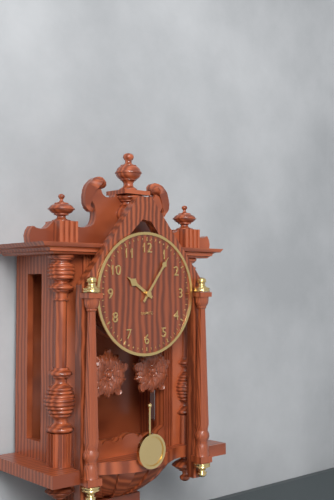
h=10 m=6
